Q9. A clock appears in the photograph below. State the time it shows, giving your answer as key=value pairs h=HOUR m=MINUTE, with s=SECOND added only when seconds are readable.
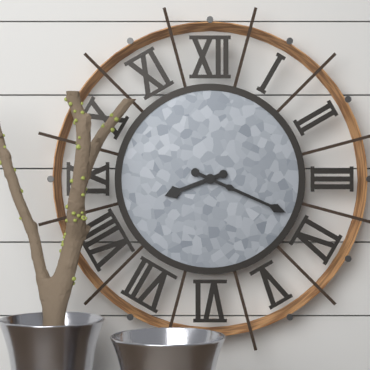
h=8 m=19
